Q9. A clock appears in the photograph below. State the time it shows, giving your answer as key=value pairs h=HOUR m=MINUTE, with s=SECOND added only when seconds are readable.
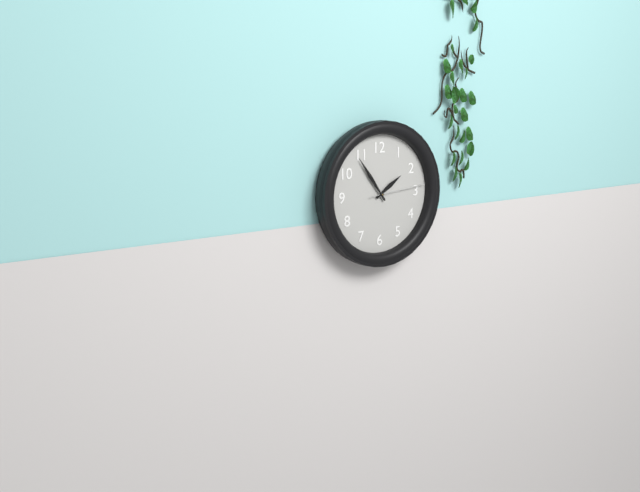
h=1 m=54 s=14
